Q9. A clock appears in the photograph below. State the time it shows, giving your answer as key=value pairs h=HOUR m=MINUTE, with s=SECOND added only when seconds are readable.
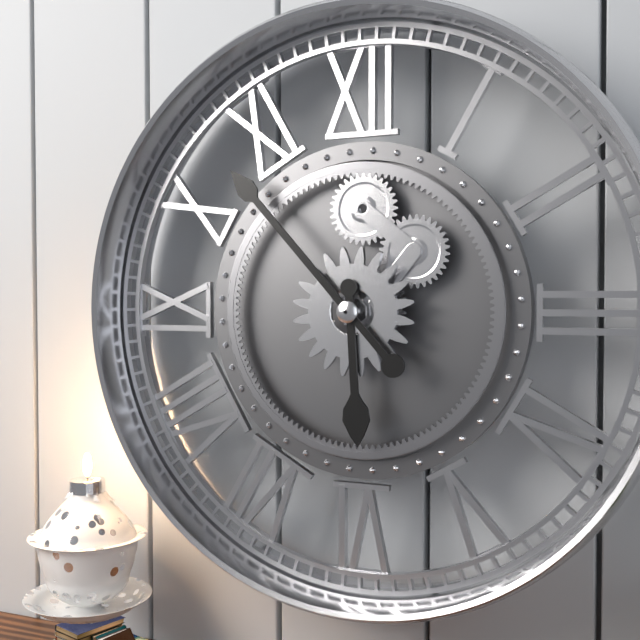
h=5 m=53
